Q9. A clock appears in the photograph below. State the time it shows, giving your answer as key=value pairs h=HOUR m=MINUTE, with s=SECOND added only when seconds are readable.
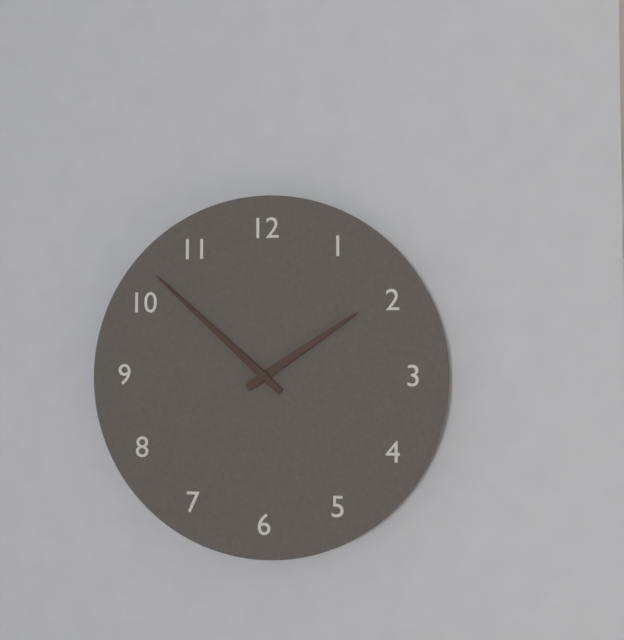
h=1 m=52
